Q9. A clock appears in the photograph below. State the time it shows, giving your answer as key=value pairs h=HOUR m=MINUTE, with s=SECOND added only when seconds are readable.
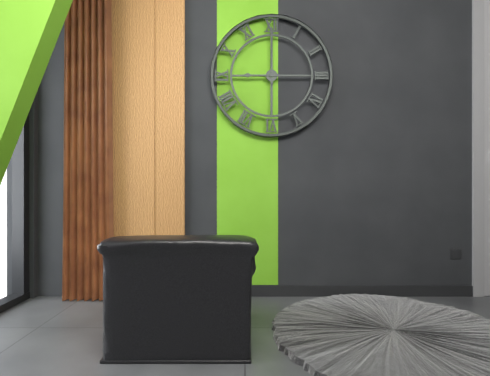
h=9 m=0
